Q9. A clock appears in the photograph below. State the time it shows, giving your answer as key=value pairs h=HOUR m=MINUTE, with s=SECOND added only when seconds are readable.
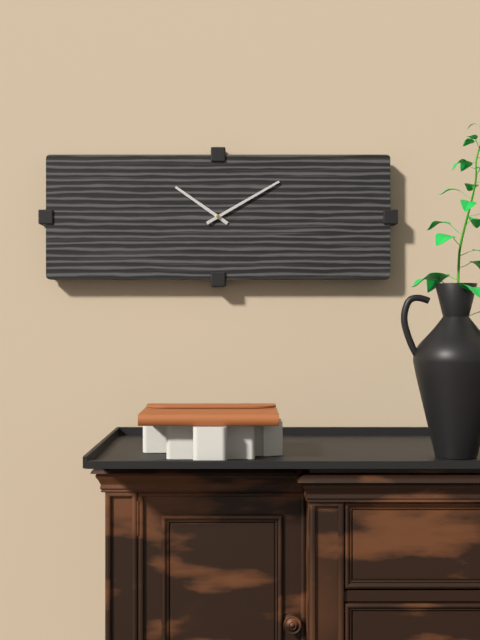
h=10 m=10
